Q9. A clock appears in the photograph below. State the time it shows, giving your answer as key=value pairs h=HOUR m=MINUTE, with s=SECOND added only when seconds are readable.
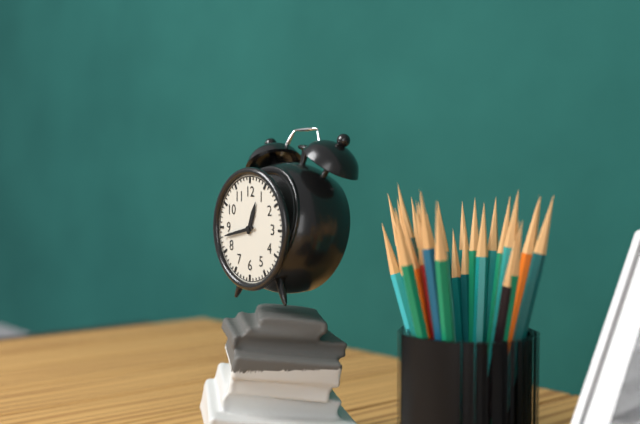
h=12 m=43
